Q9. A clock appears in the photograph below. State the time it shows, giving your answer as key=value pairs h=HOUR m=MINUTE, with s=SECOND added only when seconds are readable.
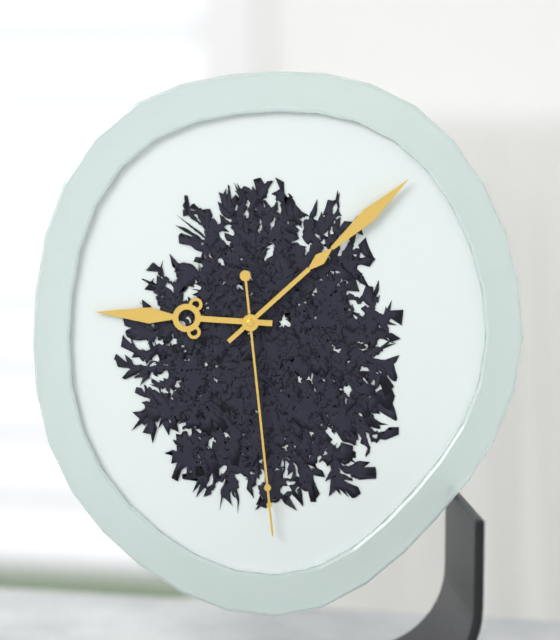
h=9 m=8 s=29
